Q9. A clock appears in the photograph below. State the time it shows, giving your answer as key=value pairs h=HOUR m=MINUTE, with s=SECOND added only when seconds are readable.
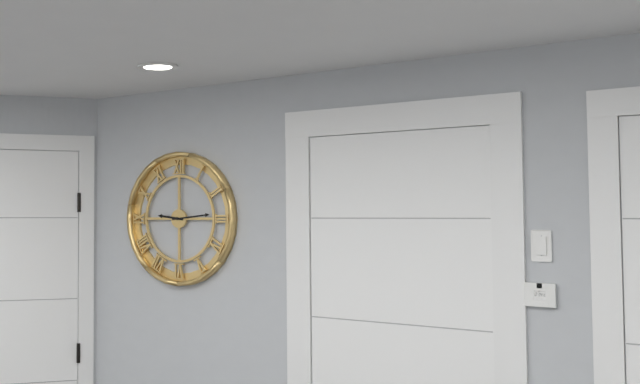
h=9 m=14
